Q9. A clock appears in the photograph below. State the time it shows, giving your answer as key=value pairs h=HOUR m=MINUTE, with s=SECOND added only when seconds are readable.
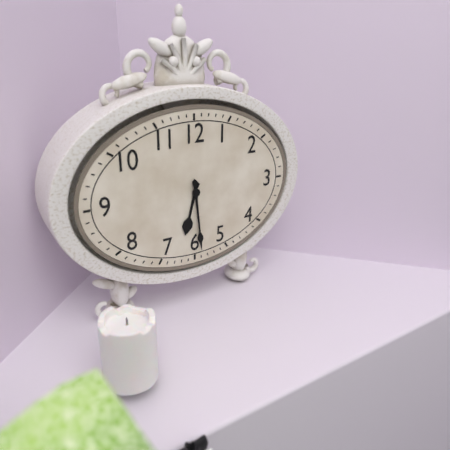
h=6 m=29
